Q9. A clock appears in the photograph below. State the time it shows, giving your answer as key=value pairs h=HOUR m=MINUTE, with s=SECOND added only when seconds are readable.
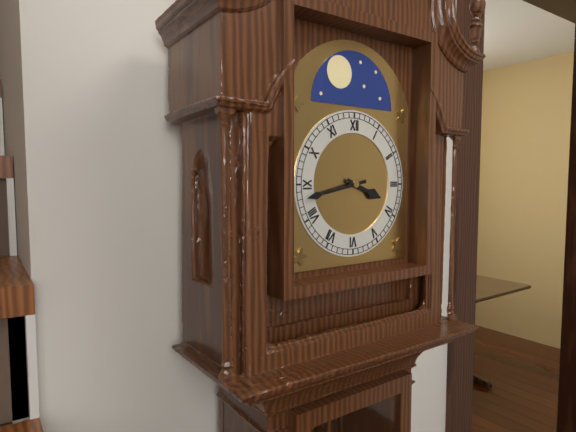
h=3 m=43
